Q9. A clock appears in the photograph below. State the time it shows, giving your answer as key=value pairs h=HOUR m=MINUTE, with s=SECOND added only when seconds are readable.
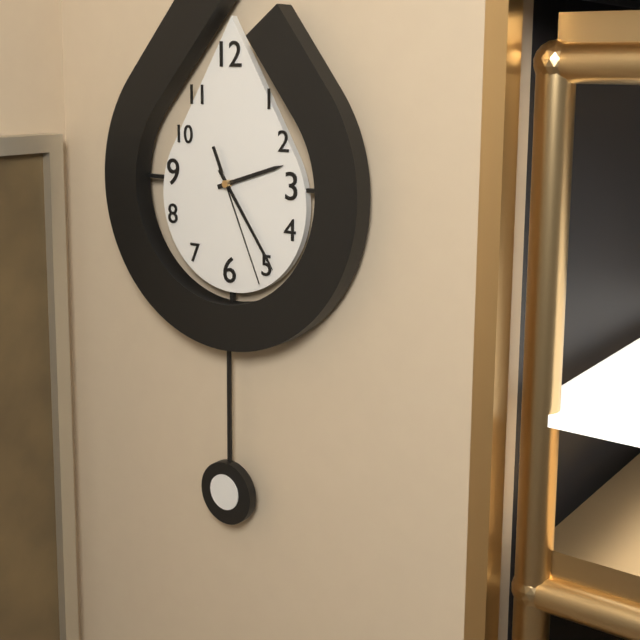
h=2 m=24 s=26
